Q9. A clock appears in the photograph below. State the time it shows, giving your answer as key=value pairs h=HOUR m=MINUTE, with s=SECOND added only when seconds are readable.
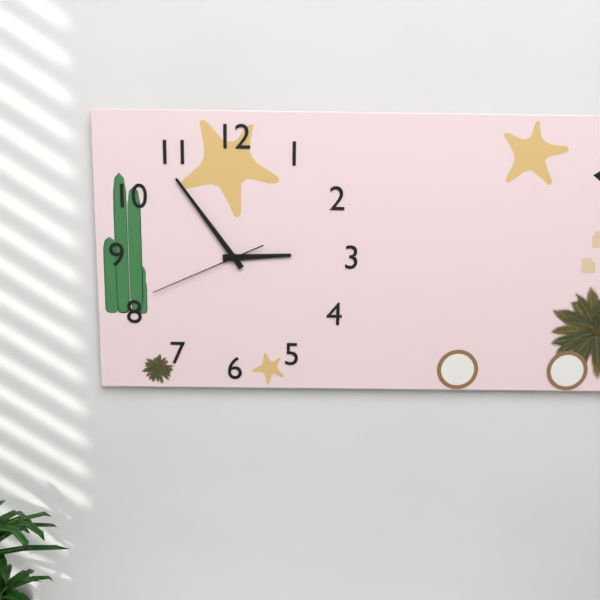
h=2 m=54 s=41
